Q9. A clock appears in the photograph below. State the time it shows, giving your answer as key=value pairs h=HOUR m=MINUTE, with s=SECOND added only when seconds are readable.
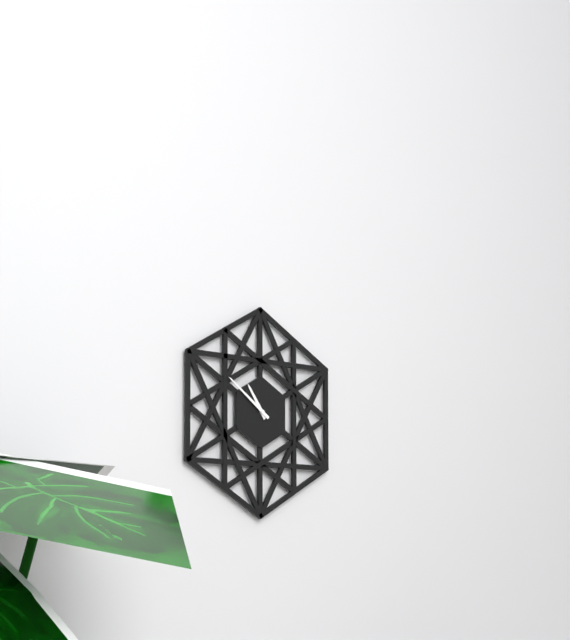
h=10 m=51
